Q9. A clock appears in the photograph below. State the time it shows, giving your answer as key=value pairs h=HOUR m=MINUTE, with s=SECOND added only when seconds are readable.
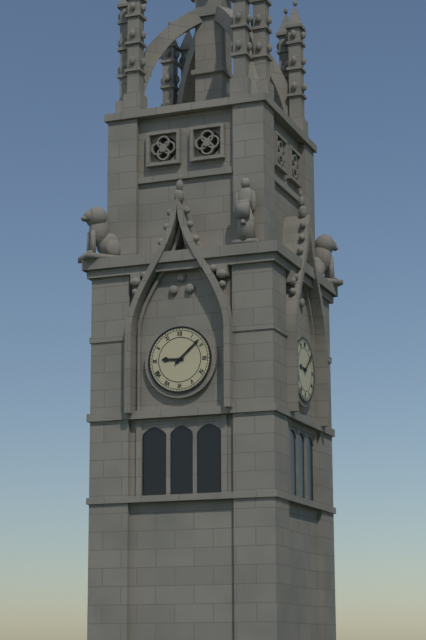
h=9 m=8
